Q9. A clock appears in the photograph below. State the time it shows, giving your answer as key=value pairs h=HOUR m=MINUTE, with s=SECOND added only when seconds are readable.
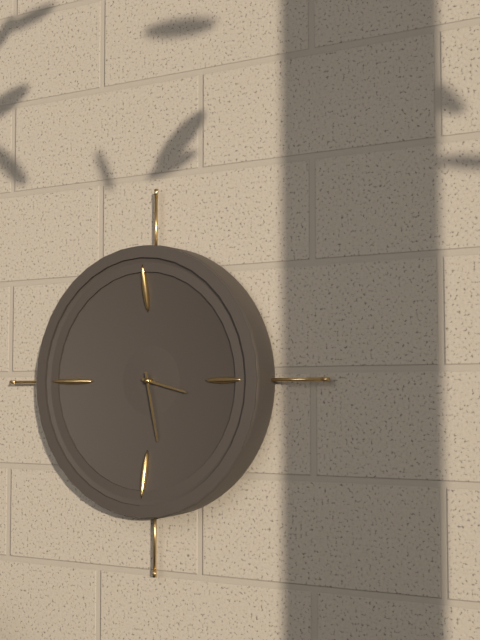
h=3 m=28
